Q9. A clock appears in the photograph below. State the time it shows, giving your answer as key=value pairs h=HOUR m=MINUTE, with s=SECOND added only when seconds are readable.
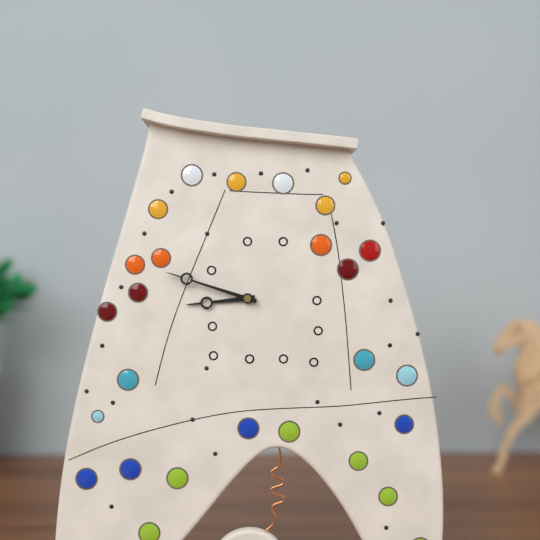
h=8 m=48
